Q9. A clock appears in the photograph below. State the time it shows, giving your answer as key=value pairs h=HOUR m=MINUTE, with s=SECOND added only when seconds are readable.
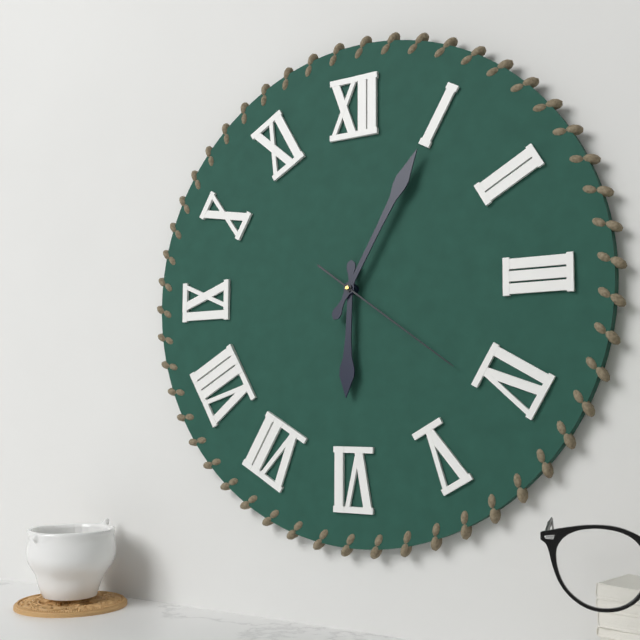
h=6 m=5 s=21
